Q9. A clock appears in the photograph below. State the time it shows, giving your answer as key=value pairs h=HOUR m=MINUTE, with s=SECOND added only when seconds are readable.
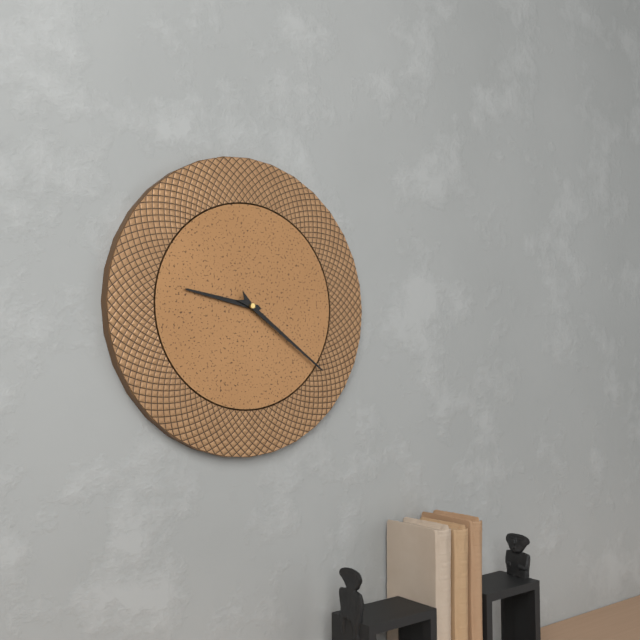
h=9 m=21
